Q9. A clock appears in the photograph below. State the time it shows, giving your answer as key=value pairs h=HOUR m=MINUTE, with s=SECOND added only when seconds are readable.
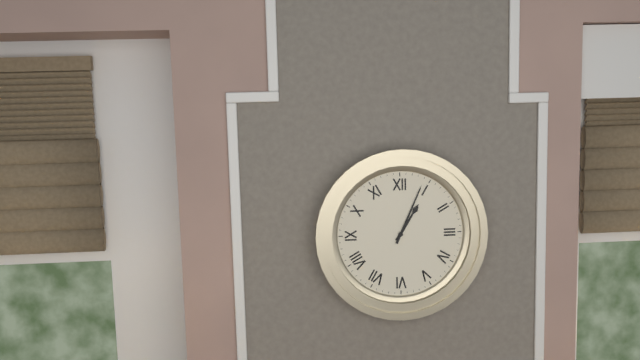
h=1 m=4
